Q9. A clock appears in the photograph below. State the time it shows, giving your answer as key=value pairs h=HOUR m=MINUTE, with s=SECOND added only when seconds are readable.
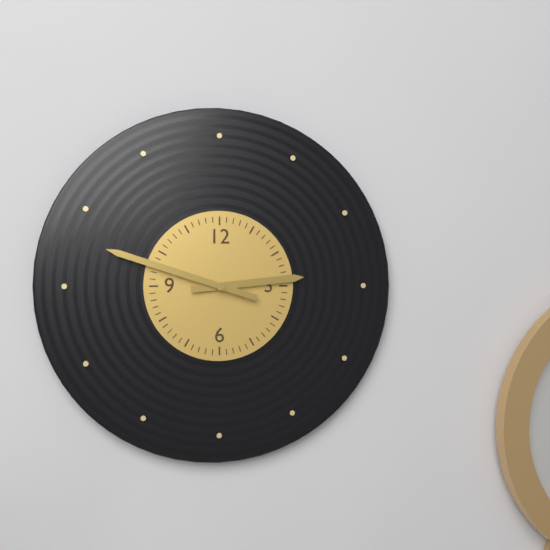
h=2 m=48
